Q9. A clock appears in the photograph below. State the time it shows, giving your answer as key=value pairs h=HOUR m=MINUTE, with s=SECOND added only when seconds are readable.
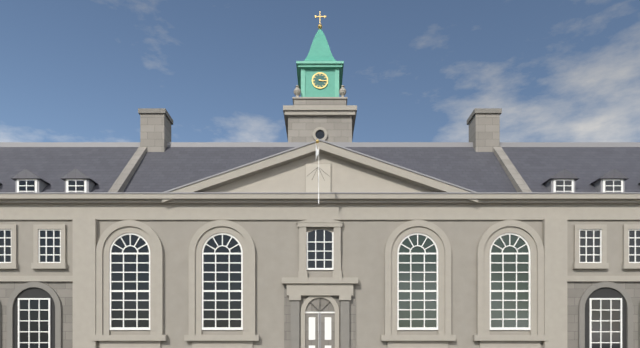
h=3 m=16
